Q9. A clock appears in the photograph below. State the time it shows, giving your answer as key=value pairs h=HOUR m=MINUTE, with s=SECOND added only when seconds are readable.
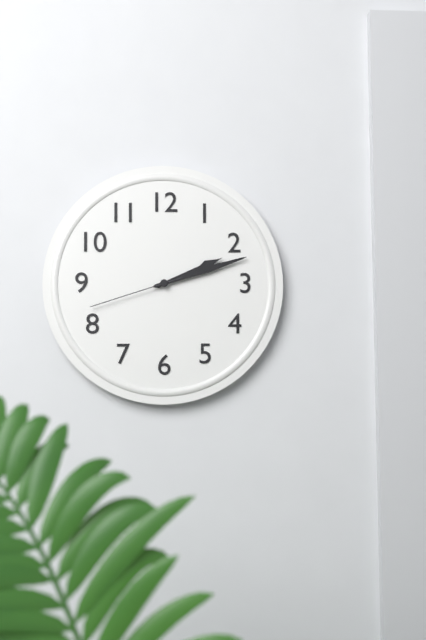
h=2 m=12 s=42
